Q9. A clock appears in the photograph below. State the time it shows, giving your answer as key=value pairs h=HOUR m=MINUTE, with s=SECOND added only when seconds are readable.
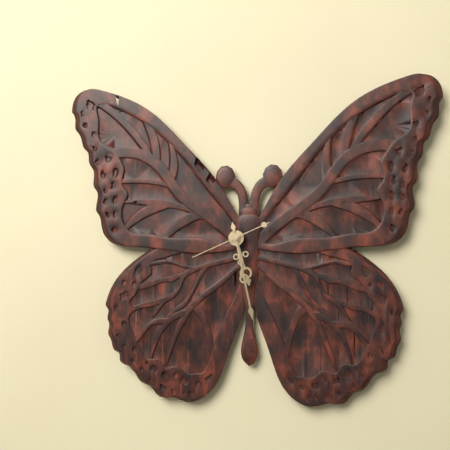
h=5 m=28 s=41
